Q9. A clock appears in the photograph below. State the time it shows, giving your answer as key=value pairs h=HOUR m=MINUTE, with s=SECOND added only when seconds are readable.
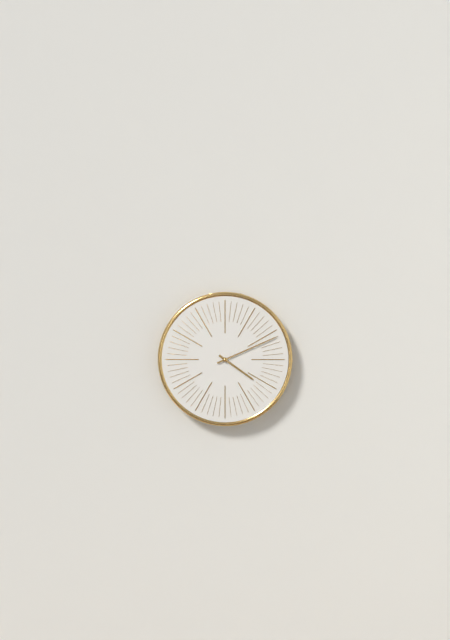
h=4 m=11
